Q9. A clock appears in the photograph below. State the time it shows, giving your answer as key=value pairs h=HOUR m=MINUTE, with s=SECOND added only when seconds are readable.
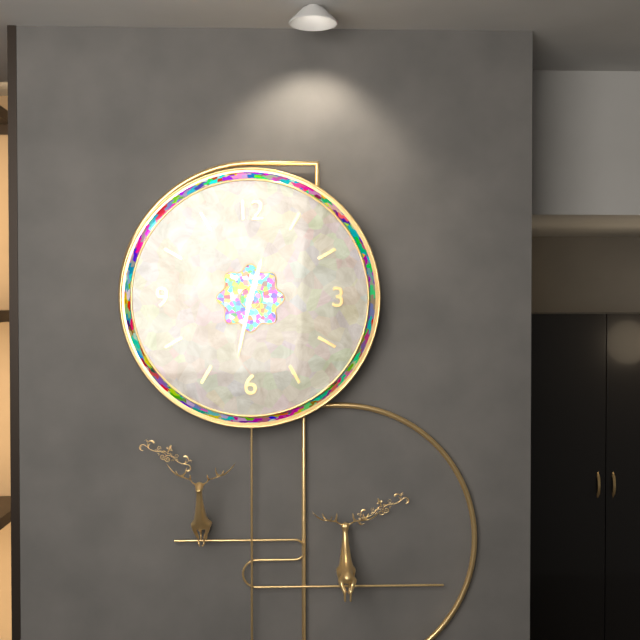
h=12 m=32
